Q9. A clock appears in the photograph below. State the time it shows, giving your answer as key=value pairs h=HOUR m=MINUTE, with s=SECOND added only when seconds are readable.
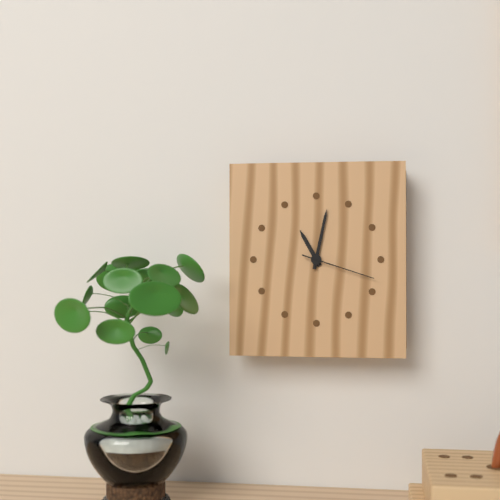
h=11 m=2 s=18
